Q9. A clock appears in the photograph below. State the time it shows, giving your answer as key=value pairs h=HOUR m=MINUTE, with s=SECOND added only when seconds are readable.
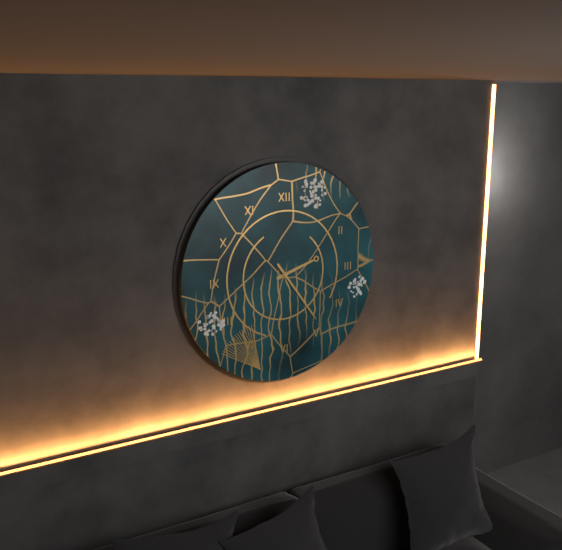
h=2 m=24
